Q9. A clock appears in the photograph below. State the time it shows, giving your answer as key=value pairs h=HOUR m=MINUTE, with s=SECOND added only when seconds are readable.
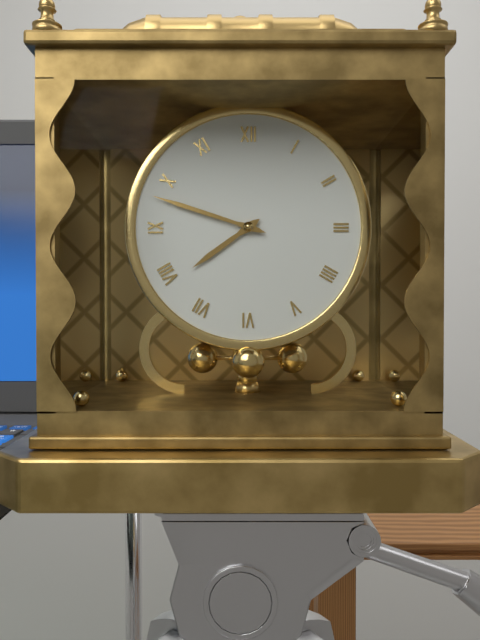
h=7 m=48
